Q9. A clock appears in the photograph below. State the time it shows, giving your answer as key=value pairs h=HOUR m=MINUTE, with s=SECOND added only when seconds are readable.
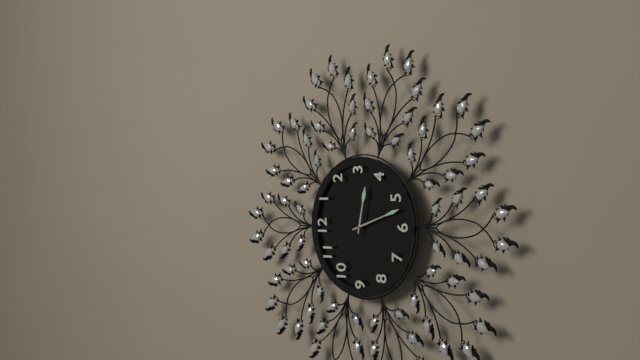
h=3 m=27
